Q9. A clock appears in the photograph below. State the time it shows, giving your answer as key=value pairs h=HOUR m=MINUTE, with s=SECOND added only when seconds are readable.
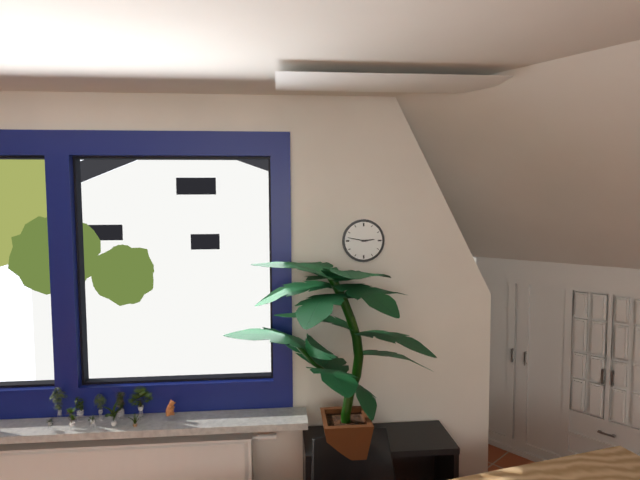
h=2 m=47
